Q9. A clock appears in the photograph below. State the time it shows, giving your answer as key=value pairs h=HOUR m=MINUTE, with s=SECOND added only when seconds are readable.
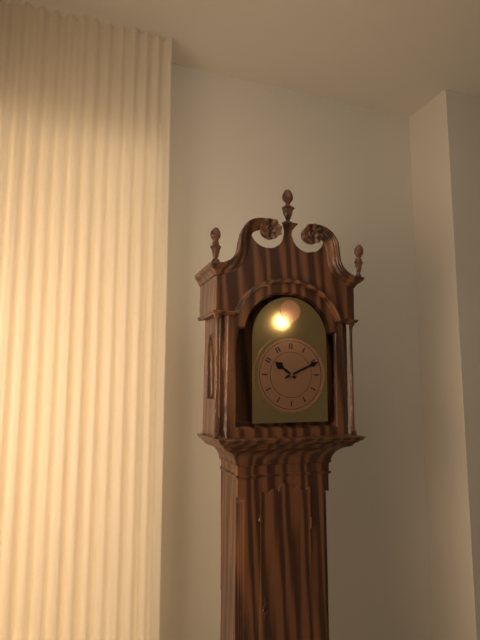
h=10 m=11
